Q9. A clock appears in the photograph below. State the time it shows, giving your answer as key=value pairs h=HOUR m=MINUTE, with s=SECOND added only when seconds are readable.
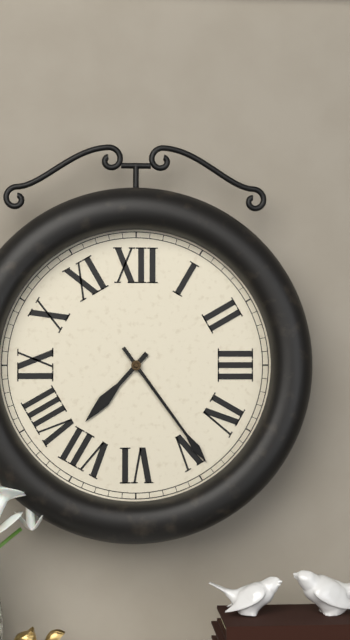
h=7 m=24
